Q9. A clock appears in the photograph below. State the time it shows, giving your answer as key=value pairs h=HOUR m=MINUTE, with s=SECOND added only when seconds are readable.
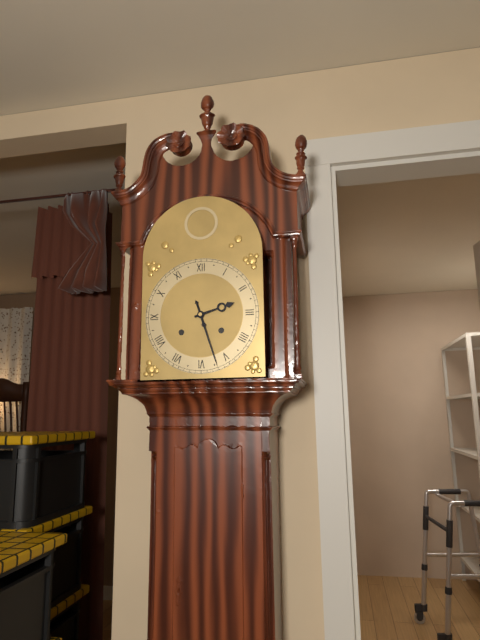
h=2 m=27
